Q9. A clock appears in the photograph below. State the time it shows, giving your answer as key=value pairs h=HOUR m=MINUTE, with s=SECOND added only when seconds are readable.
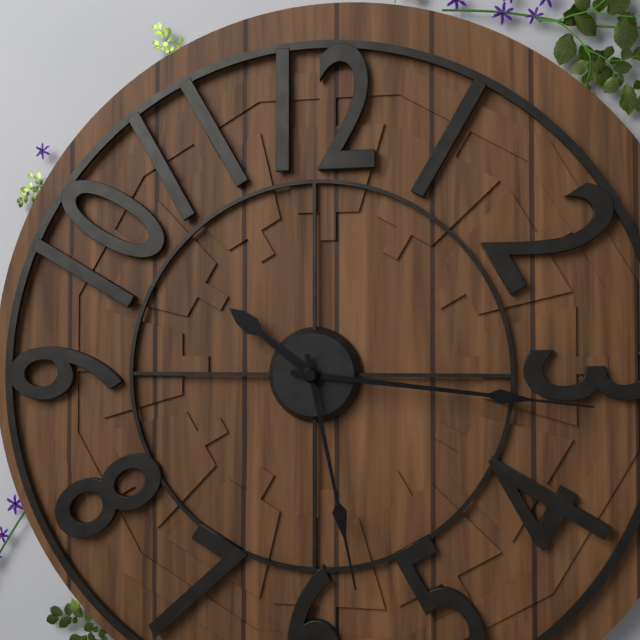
h=10 m=16 s=28
